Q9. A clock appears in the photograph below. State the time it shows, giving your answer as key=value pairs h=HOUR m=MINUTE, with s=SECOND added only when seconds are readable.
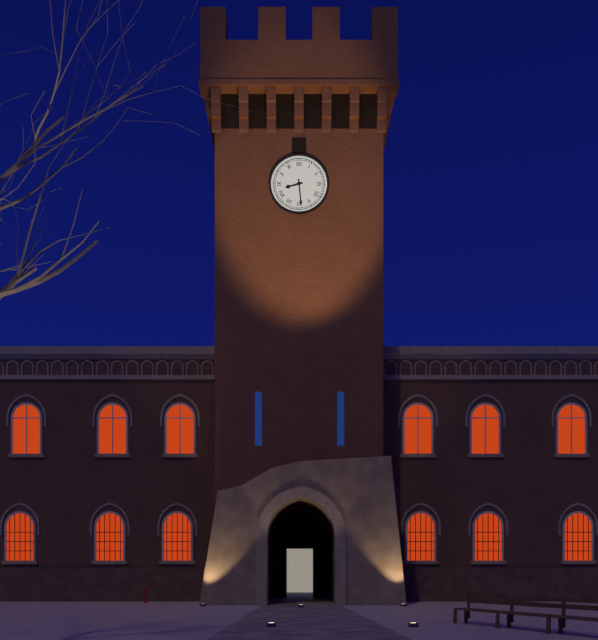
h=8 m=29
